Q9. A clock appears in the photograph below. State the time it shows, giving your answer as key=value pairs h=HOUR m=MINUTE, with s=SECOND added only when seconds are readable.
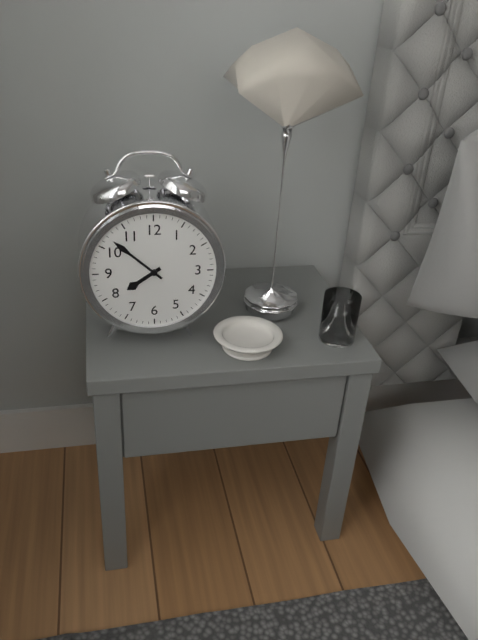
h=7 m=52
